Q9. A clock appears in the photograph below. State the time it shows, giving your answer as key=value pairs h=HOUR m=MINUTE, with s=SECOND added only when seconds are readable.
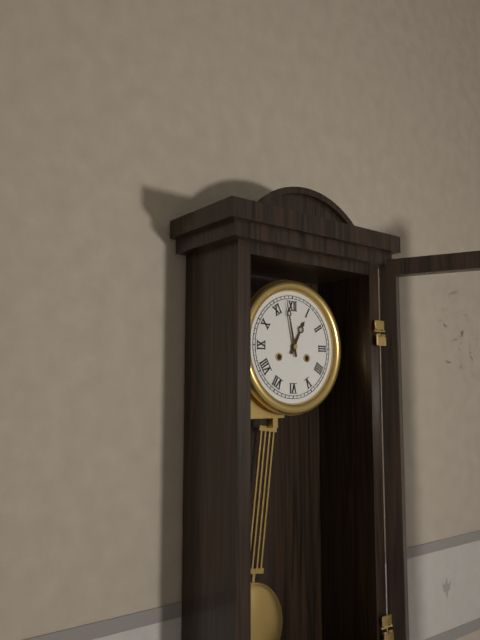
h=12 m=58
